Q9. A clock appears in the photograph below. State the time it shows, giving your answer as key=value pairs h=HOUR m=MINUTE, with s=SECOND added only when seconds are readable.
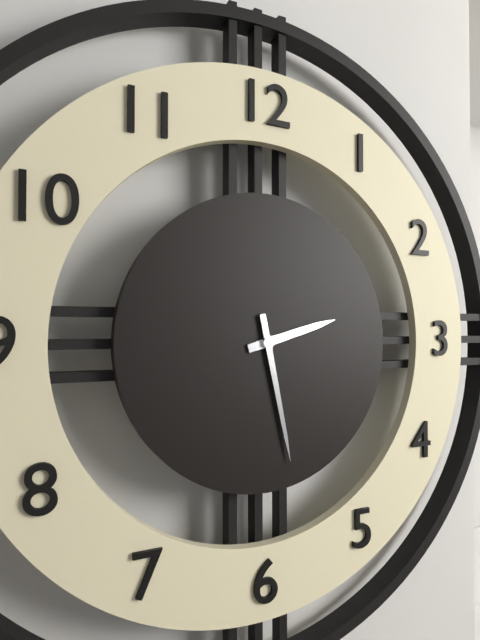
h=2 m=28
